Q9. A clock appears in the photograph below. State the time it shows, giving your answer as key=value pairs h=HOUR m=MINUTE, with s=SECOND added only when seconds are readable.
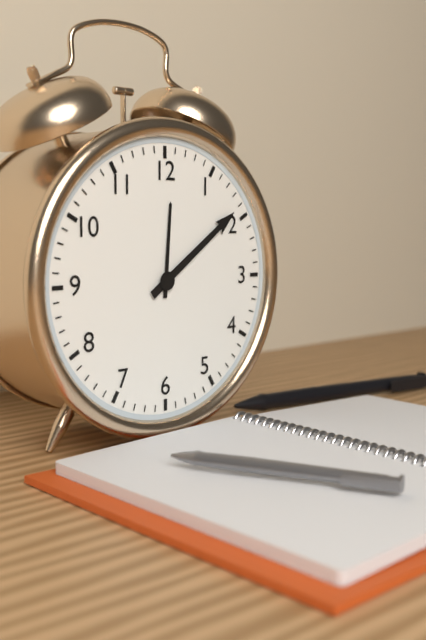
h=12 m=9
